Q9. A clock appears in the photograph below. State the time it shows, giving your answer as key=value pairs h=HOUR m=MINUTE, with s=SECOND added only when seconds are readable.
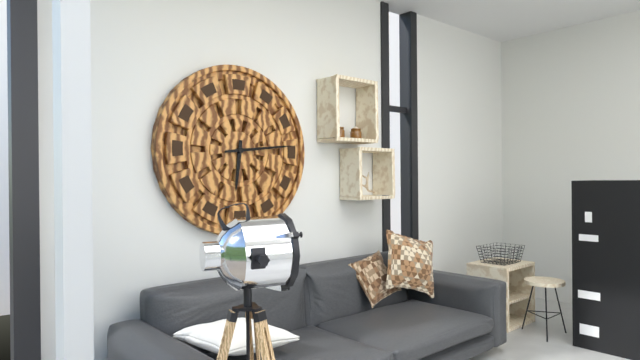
h=6 m=14
